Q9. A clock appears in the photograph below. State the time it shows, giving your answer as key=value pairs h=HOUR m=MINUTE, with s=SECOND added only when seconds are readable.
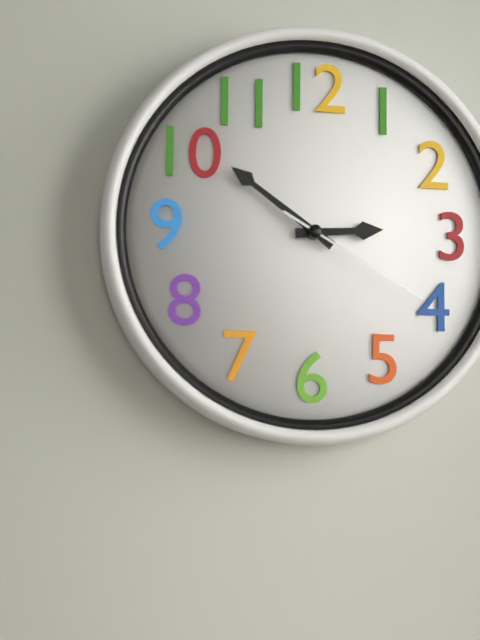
h=2 m=51 s=20
